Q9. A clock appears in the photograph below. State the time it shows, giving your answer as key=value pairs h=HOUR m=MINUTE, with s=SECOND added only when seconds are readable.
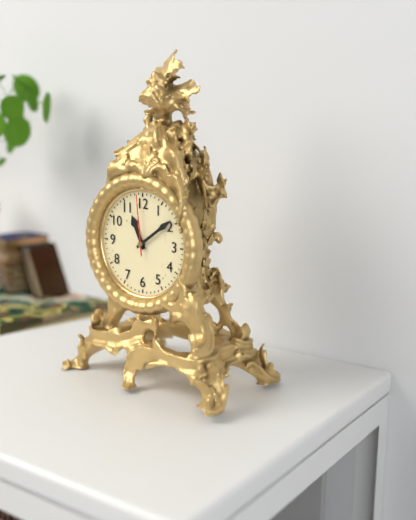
h=11 m=9 s=59
